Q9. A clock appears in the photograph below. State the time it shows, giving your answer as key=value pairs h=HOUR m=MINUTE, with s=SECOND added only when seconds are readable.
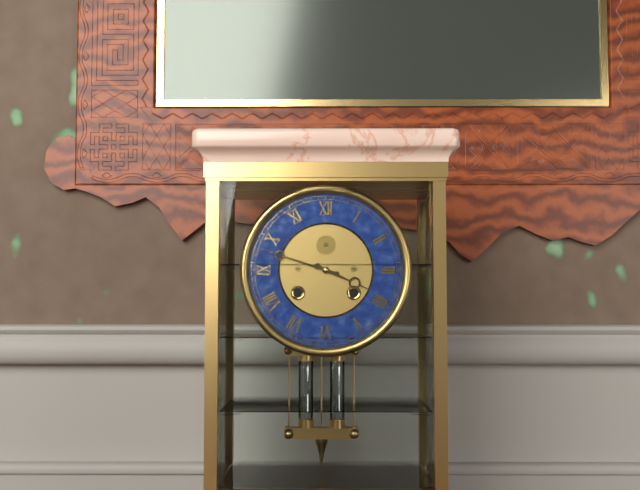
h=3 m=48
